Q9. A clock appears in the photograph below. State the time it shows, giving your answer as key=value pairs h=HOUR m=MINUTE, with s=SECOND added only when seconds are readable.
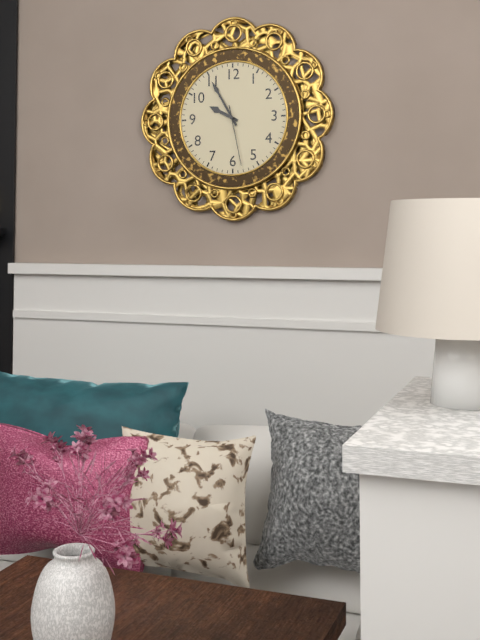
h=9 m=55 s=28
